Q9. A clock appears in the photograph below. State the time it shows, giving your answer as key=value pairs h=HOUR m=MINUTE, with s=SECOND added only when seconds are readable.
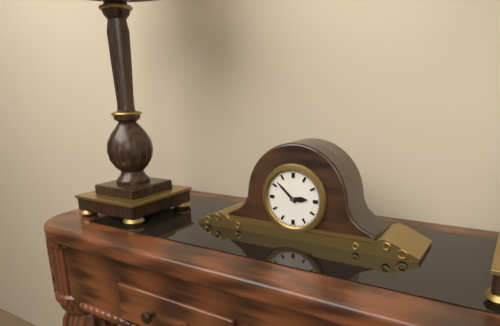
h=2 m=52
